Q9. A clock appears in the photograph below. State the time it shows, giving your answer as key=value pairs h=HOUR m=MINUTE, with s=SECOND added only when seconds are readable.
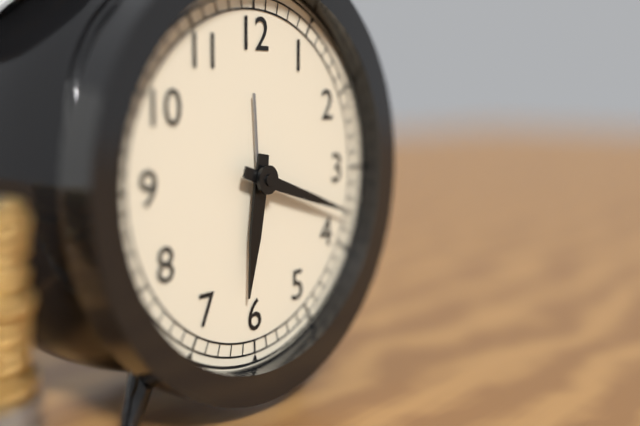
h=6 m=18
